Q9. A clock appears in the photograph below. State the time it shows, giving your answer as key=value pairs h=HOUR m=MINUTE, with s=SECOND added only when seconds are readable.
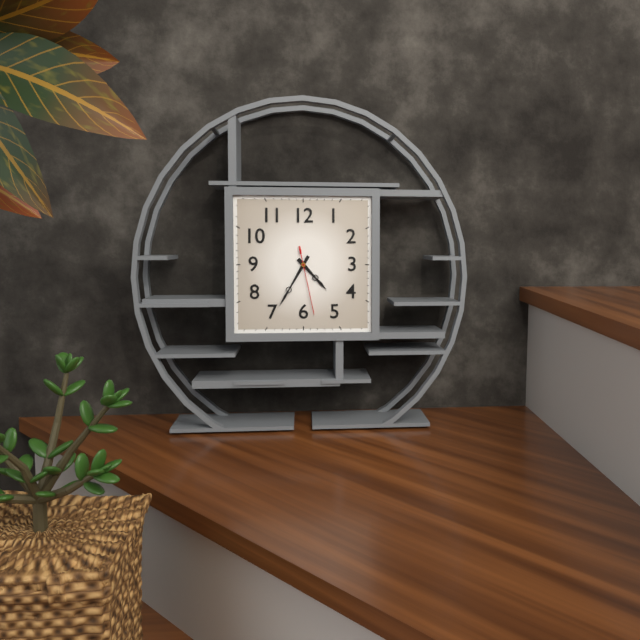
h=4 m=35 s=28
